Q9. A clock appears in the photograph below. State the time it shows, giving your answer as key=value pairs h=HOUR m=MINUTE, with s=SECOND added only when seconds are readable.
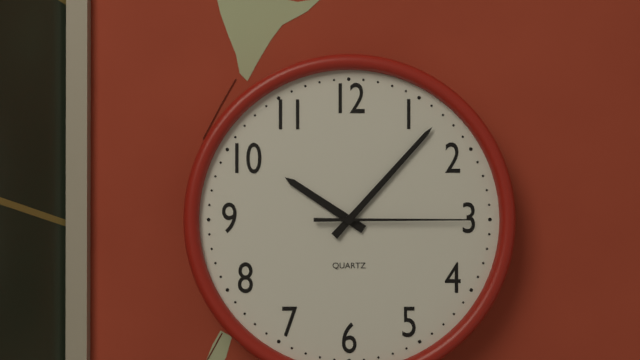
h=10 m=7 s=15
